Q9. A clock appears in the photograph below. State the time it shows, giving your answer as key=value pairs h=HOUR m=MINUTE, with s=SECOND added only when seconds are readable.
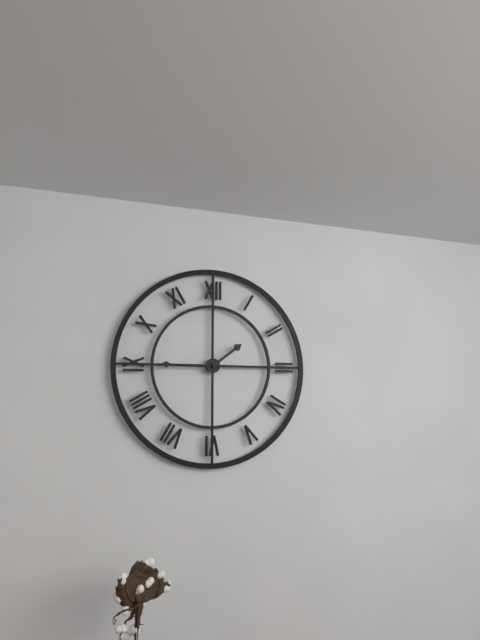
h=1 m=45
